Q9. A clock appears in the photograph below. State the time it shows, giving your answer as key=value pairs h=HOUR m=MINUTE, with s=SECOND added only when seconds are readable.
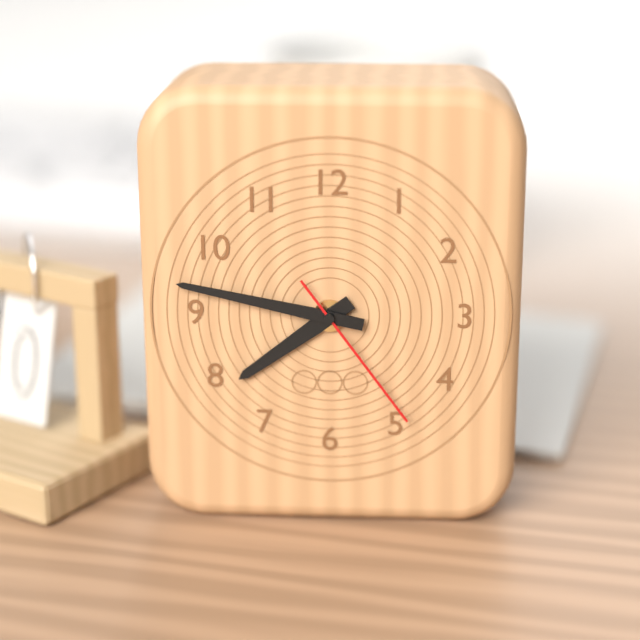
h=7 m=47 s=24
